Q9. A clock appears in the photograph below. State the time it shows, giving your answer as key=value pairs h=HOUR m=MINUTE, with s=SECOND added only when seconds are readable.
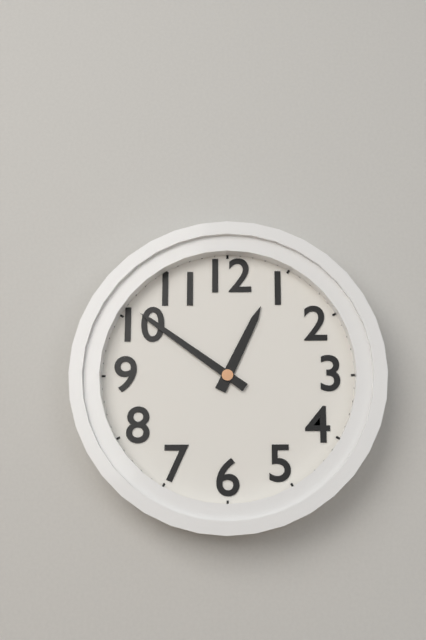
h=12 m=51
